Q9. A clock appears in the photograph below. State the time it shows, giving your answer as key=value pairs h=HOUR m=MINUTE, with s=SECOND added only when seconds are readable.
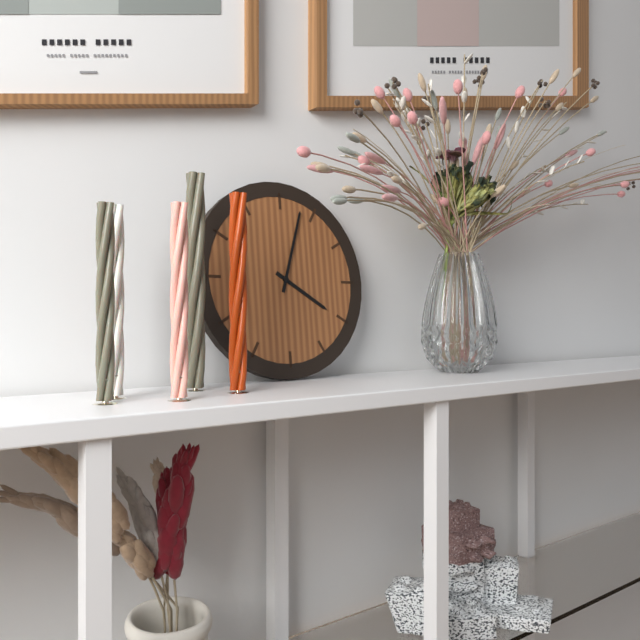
h=4 m=3
